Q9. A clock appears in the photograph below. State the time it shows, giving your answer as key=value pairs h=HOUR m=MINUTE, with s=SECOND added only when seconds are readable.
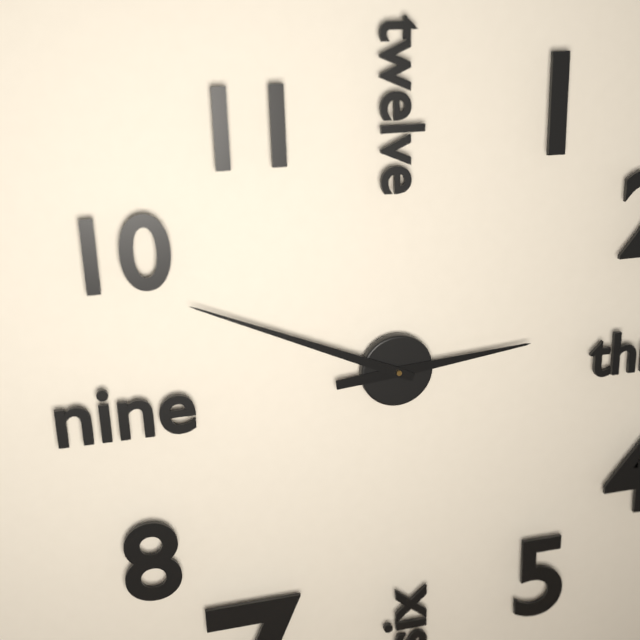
h=2 m=49
